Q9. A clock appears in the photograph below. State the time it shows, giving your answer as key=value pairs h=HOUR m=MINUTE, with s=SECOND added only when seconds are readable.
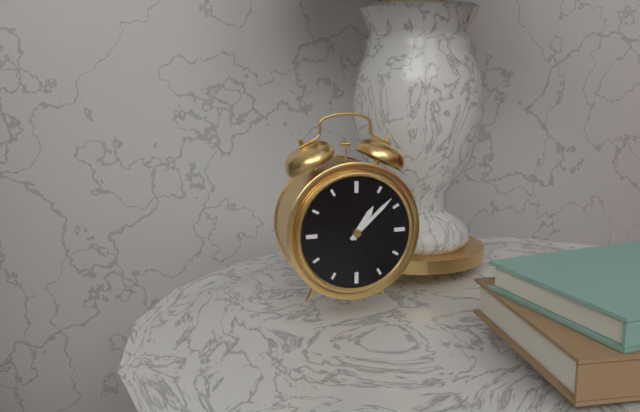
h=1 m=8
